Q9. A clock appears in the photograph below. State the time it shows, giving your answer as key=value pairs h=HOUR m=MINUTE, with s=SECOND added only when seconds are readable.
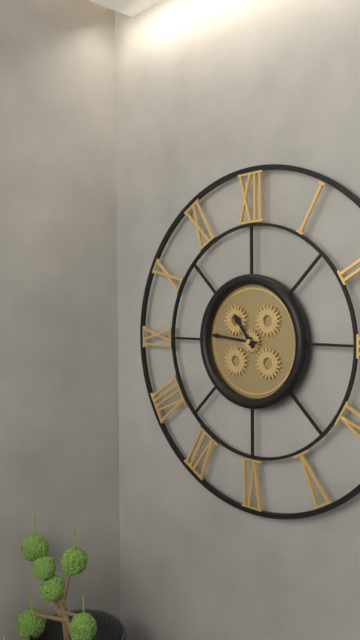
h=10 m=46
